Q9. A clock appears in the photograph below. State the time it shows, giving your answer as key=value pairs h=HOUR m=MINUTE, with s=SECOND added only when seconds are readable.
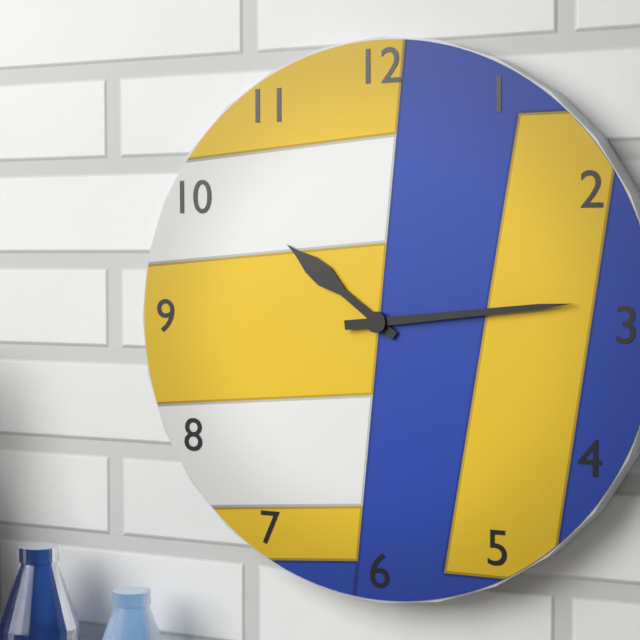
h=10 m=14
